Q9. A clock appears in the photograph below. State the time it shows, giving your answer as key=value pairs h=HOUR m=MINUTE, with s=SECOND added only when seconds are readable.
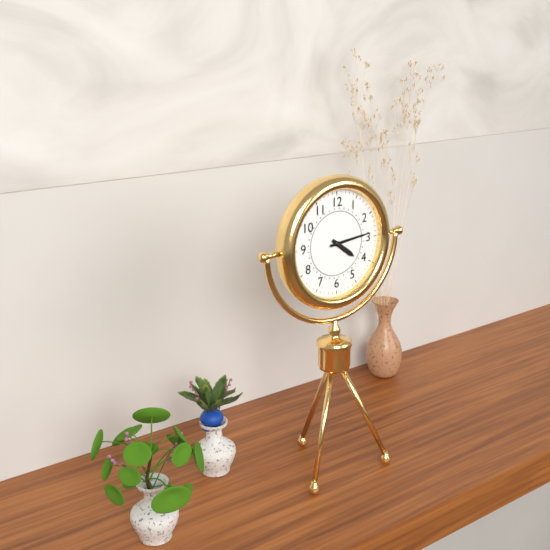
h=4 m=14
